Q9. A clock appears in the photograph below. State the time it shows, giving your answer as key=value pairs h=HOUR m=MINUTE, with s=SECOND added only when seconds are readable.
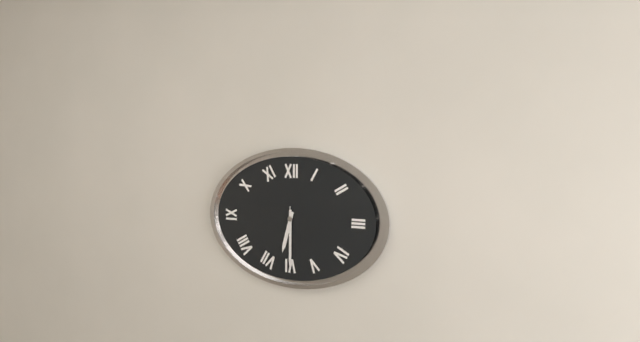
h=6 m=30 s=30
